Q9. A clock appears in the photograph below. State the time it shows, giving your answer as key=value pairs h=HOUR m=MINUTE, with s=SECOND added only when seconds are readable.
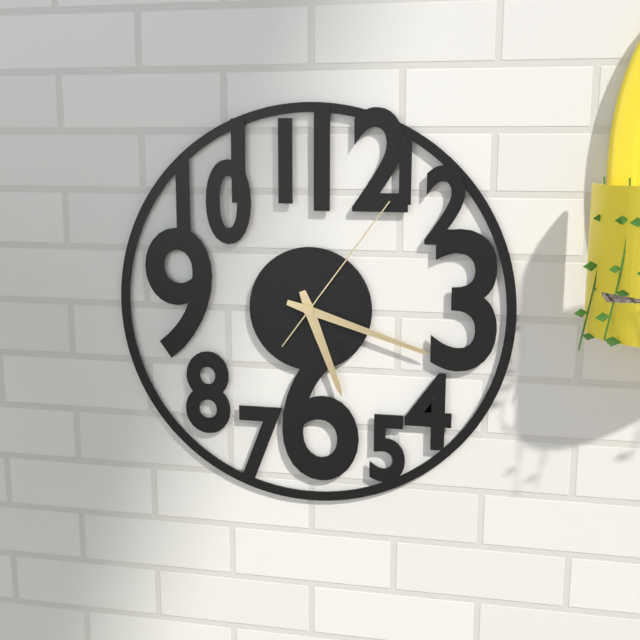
h=5 m=18 s=6
